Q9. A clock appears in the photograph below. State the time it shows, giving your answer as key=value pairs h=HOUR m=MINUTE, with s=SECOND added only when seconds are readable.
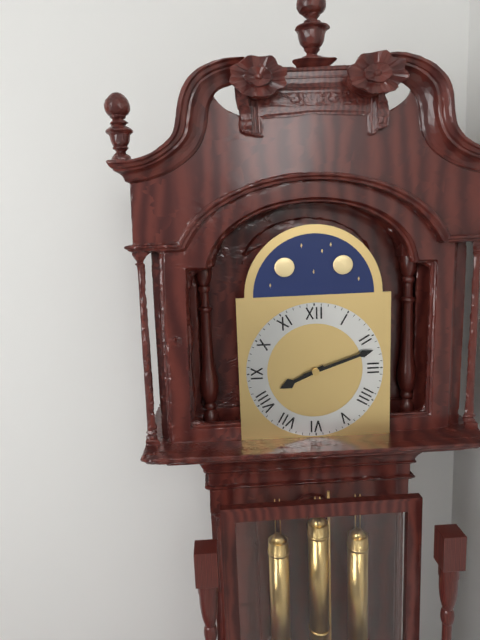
h=8 m=12
